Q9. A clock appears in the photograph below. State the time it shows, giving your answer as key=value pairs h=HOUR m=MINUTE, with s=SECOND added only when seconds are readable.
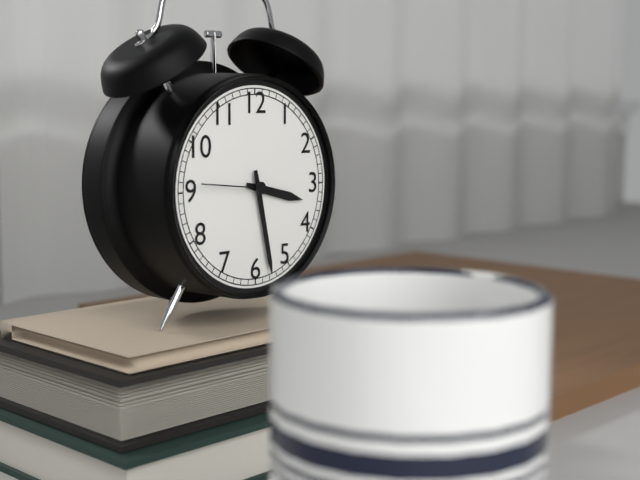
h=3 m=28 s=46
